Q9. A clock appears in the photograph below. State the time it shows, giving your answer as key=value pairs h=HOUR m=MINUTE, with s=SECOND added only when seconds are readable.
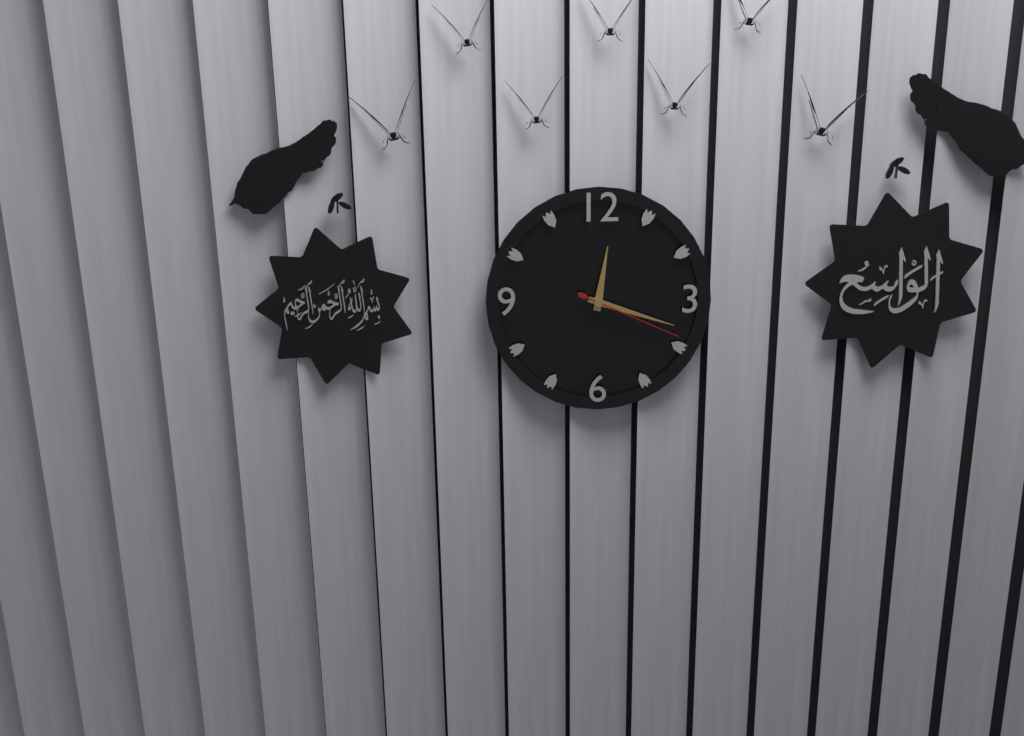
h=12 m=18 s=19
